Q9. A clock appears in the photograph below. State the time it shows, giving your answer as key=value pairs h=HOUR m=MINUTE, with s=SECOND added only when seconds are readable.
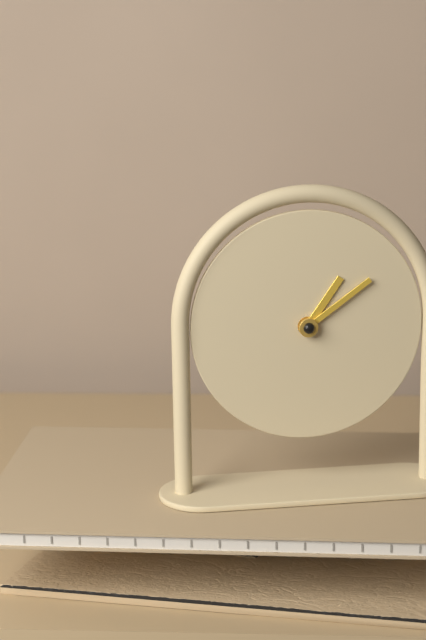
h=1 m=9
